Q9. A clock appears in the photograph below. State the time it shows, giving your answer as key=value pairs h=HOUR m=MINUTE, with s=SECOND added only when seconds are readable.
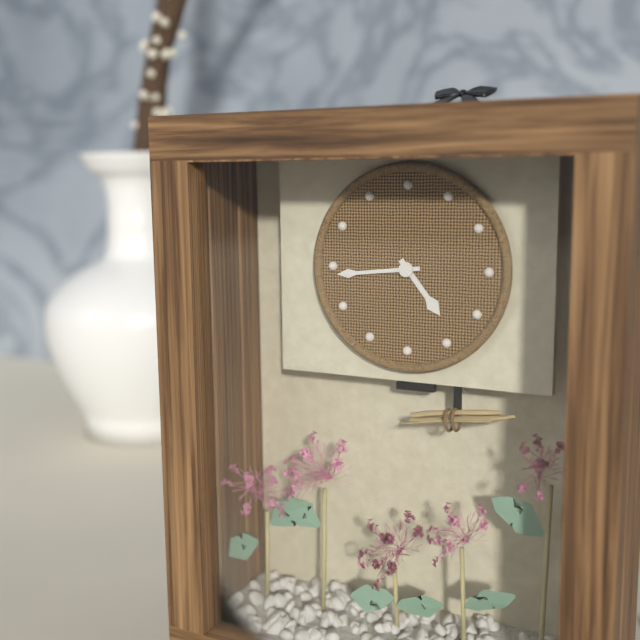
h=4 m=44
